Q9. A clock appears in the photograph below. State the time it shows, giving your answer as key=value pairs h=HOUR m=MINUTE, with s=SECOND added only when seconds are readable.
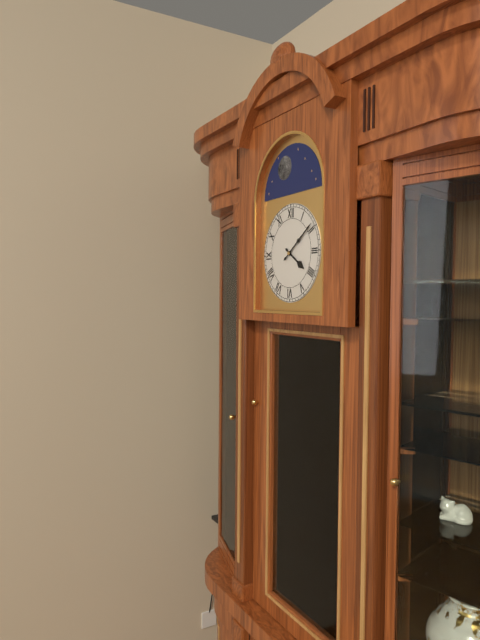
h=4 m=9
